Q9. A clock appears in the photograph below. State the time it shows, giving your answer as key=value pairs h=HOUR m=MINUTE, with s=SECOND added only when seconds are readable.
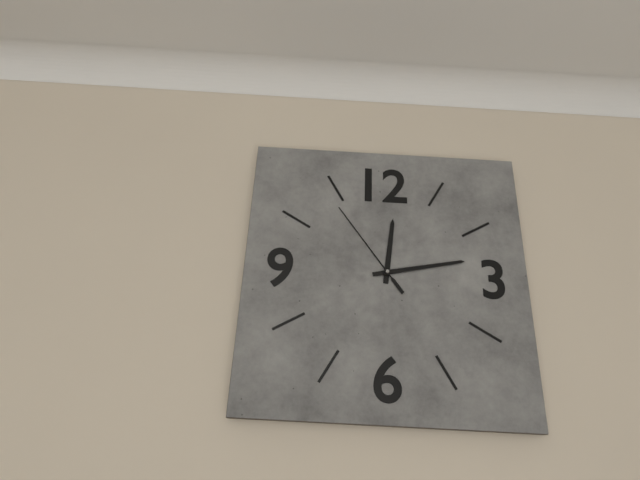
h=12 m=13 s=54
